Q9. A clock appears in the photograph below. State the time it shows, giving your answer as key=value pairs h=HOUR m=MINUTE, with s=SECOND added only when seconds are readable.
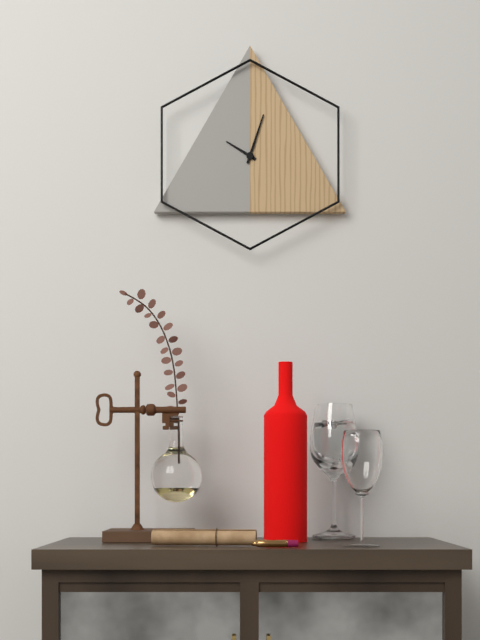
h=10 m=3
